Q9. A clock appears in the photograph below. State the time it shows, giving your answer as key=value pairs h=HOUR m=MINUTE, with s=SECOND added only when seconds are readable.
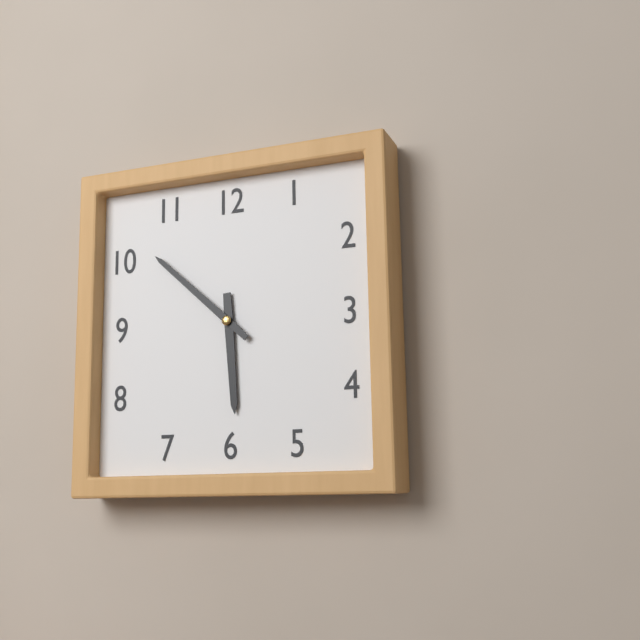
h=5 m=52
